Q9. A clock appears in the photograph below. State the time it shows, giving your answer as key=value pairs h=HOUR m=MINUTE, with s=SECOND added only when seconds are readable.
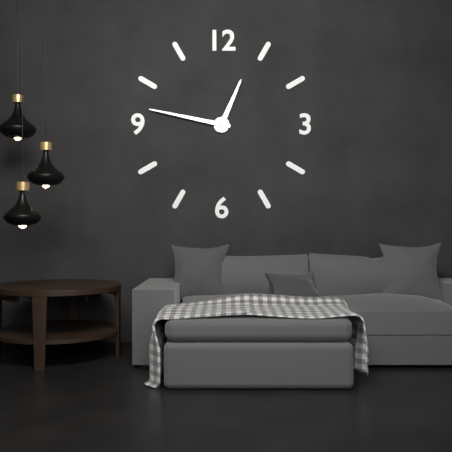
h=12 m=47
